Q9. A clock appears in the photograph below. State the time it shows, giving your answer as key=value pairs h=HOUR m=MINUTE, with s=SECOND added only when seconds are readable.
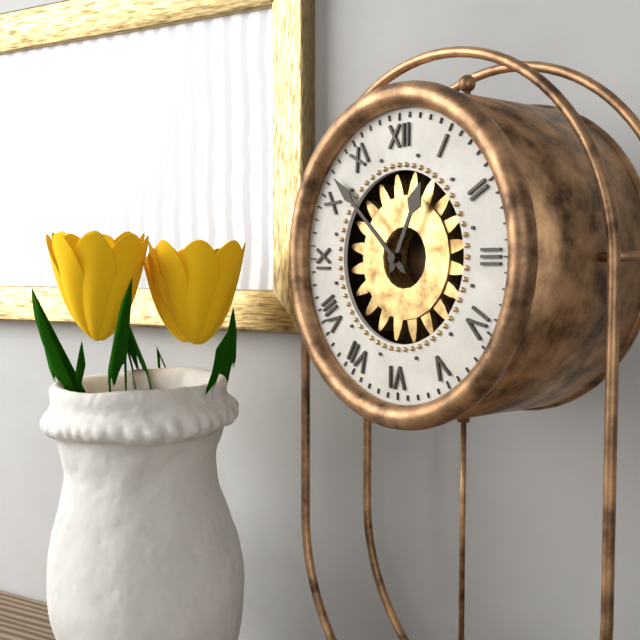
h=12 m=52
